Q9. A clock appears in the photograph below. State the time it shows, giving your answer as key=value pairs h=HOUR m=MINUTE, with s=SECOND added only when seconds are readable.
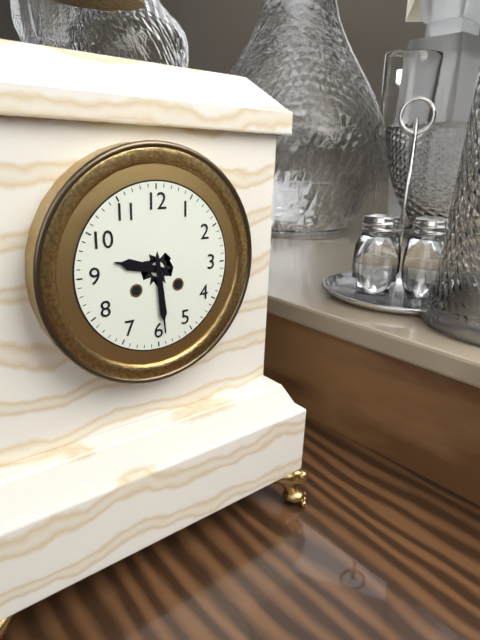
h=9 m=29
